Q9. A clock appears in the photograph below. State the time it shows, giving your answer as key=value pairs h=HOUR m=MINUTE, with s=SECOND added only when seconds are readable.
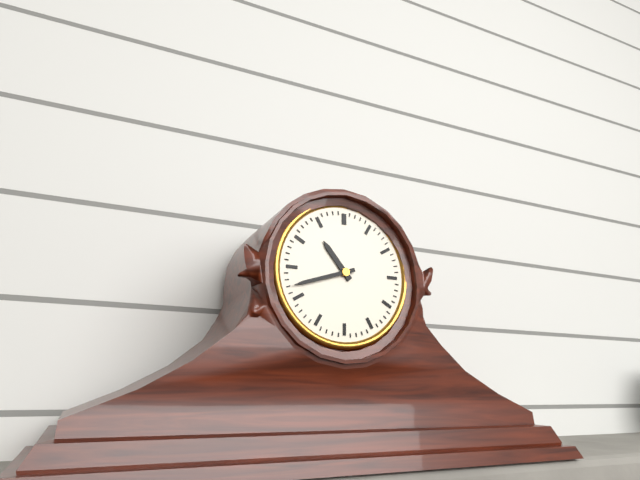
h=10 m=42
